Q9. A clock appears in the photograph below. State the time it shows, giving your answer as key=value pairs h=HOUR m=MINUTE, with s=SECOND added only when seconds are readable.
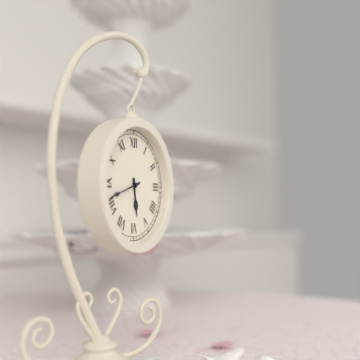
h=5 m=42
